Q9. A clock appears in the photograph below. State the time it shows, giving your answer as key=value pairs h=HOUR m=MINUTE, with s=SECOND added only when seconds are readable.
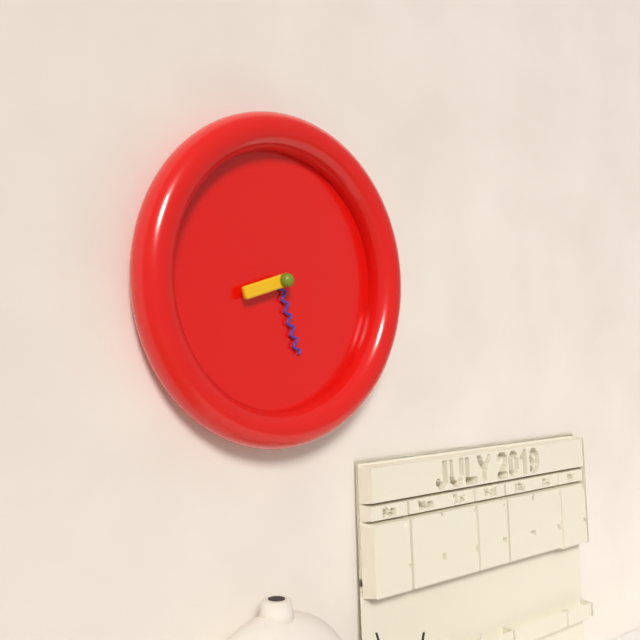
h=8 m=27
